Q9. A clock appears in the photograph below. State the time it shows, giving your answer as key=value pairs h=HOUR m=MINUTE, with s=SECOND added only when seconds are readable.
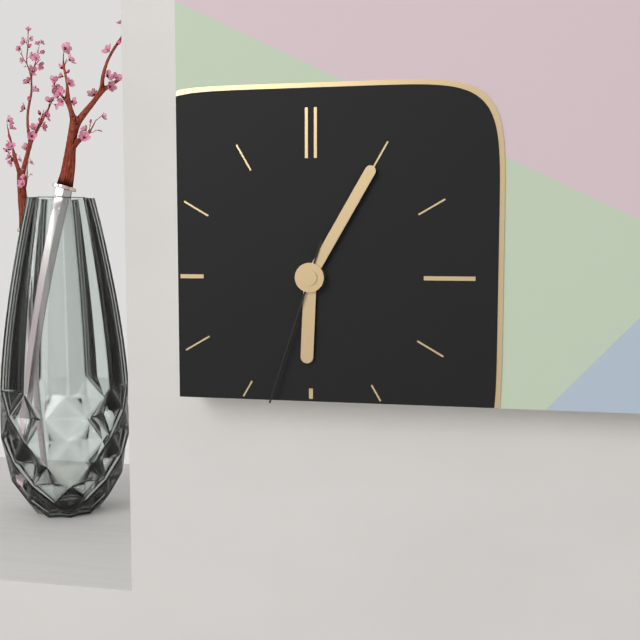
h=6 m=5 s=33
